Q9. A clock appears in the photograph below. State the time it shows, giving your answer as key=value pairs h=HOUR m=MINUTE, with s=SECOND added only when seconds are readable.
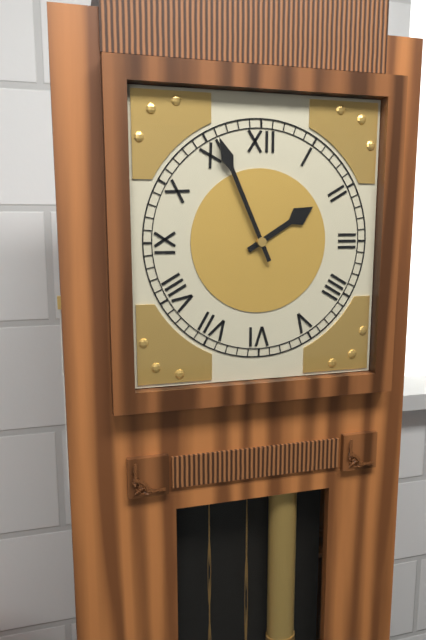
h=1 m=56
